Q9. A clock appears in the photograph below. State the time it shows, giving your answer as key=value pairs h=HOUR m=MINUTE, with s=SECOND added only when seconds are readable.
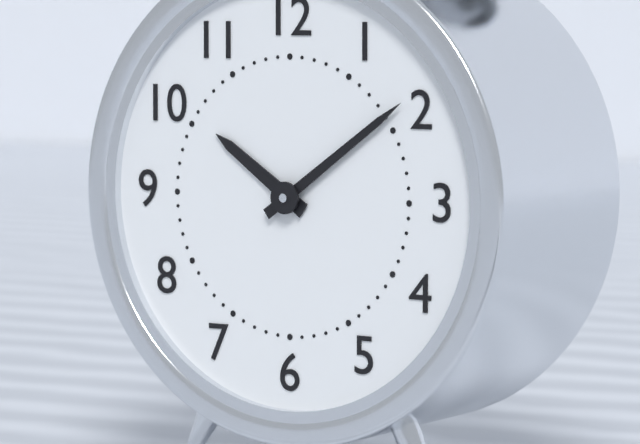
h=10 m=9
